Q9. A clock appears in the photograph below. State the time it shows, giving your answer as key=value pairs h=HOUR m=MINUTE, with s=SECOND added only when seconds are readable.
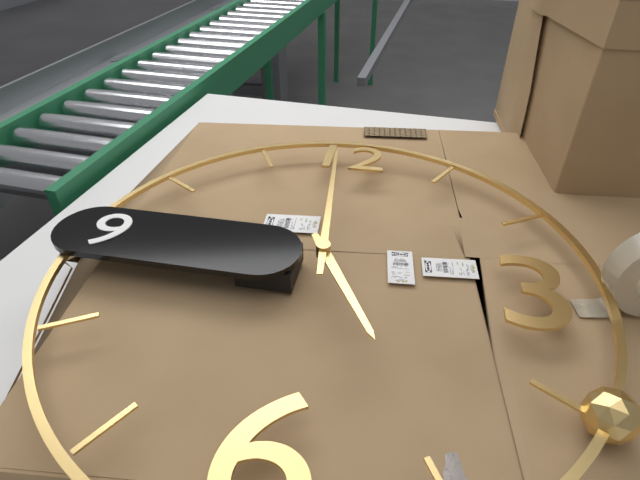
h=4 m=59
